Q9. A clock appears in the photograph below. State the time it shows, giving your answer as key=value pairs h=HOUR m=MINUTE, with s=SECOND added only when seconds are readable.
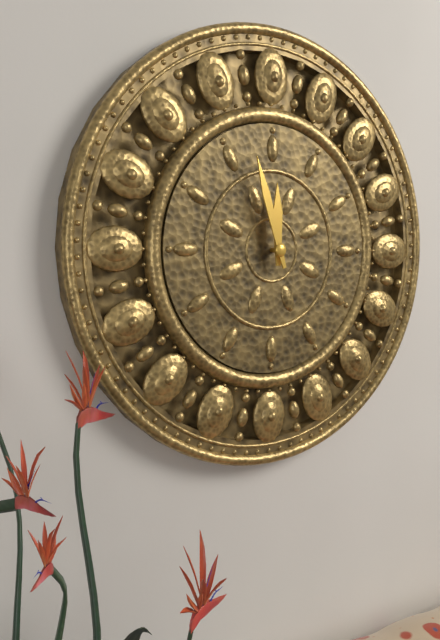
h=11 m=57
